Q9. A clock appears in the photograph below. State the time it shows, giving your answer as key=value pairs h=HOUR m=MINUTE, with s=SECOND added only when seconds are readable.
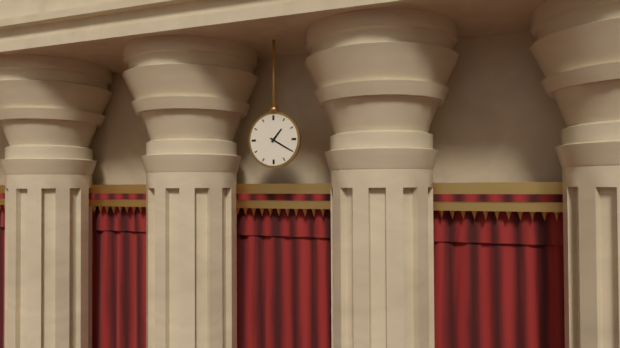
h=1 m=20
